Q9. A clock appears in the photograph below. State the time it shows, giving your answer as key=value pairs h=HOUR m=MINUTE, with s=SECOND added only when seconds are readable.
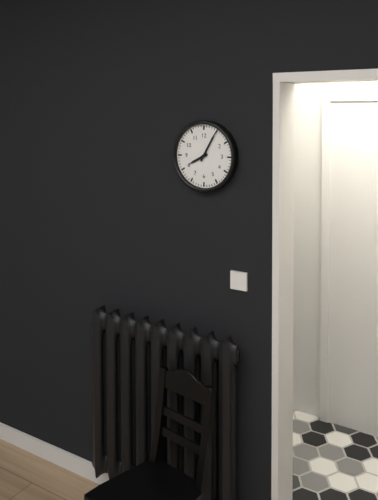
h=8 m=5
